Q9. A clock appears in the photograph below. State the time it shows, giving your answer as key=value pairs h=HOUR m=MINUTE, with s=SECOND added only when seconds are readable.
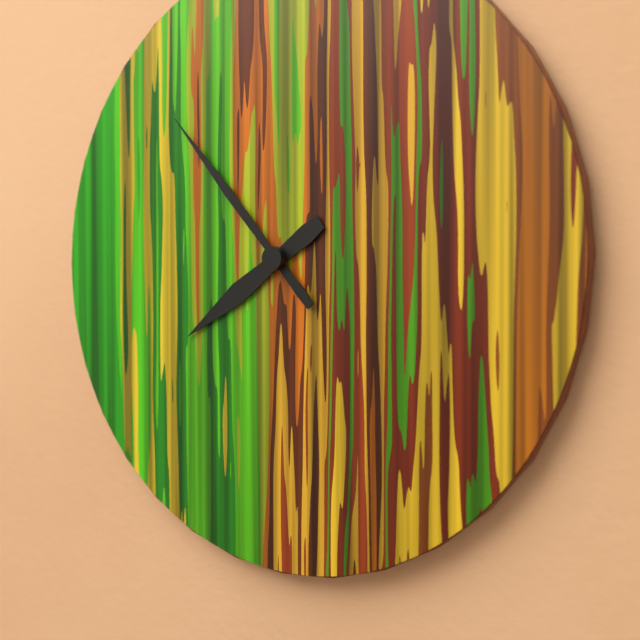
h=7 m=53
